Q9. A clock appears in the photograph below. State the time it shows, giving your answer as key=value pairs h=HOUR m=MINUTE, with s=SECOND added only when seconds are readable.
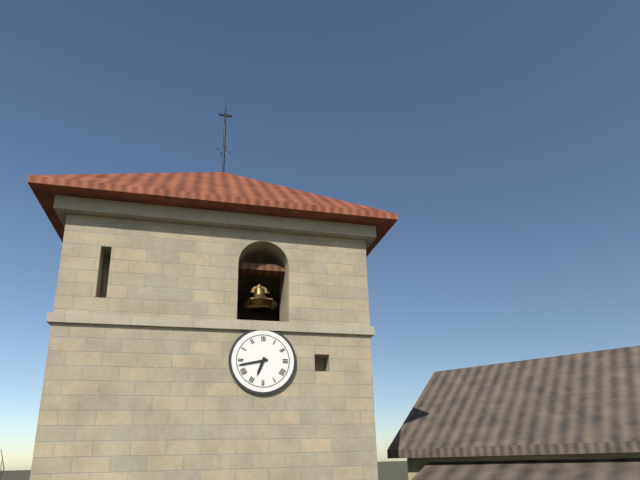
h=6 m=43
